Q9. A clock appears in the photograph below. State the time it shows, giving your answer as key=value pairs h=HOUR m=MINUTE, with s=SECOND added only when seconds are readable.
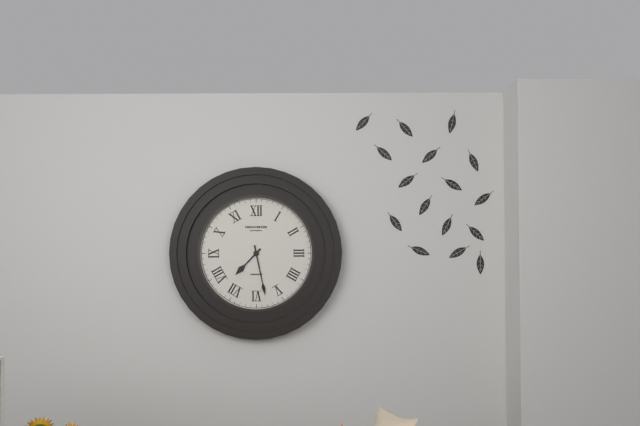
h=7 m=28
